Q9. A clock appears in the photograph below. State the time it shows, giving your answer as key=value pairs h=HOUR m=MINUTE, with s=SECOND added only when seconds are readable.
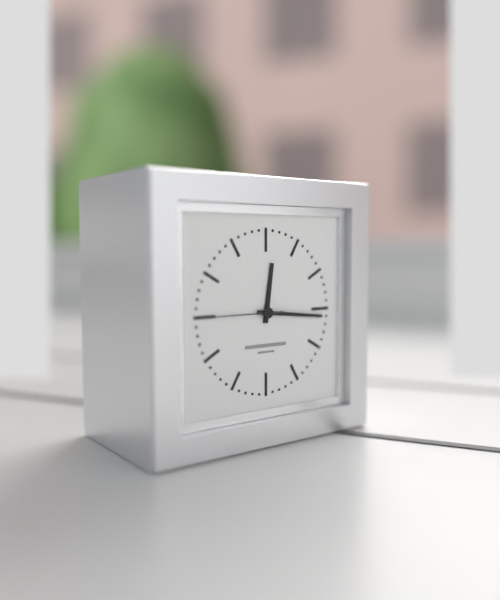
h=12 m=16 s=45
